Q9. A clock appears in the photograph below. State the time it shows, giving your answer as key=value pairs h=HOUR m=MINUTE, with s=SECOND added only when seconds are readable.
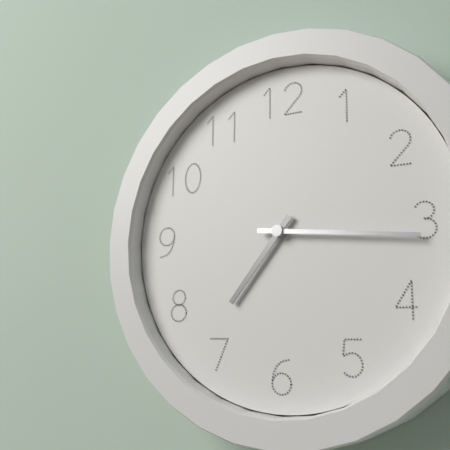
h=7 m=16
